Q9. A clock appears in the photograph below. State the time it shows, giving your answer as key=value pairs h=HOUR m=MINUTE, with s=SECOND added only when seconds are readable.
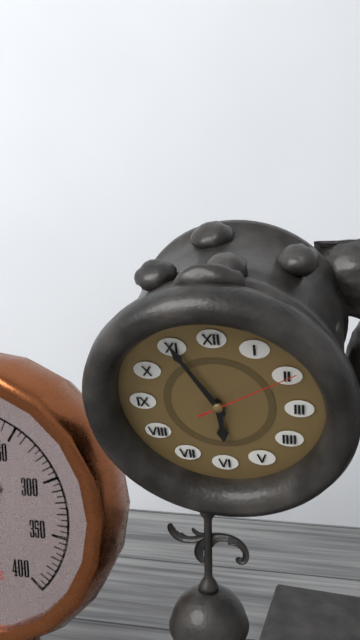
h=5 m=55 s=10
